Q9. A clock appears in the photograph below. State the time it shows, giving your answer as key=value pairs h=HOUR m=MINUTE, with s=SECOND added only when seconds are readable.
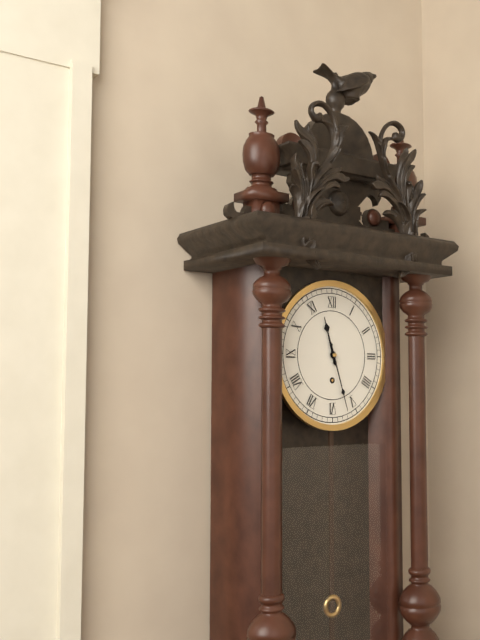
h=11 m=27
